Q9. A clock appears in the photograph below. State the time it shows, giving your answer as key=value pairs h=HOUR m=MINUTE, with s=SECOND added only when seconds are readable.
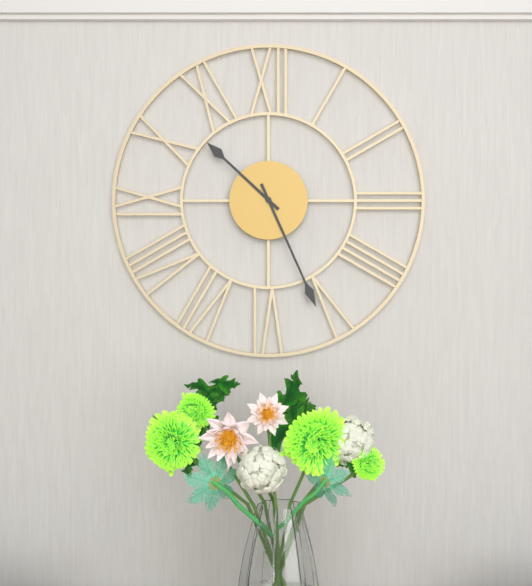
h=10 m=26
